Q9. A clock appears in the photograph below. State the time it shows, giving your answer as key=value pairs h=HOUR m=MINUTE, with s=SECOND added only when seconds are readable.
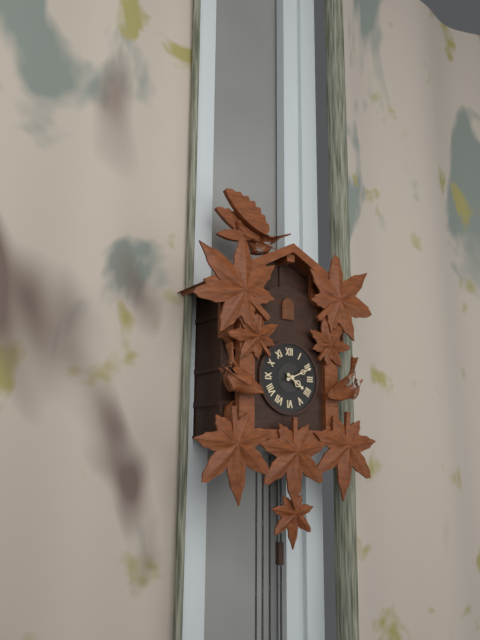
h=4 m=11
